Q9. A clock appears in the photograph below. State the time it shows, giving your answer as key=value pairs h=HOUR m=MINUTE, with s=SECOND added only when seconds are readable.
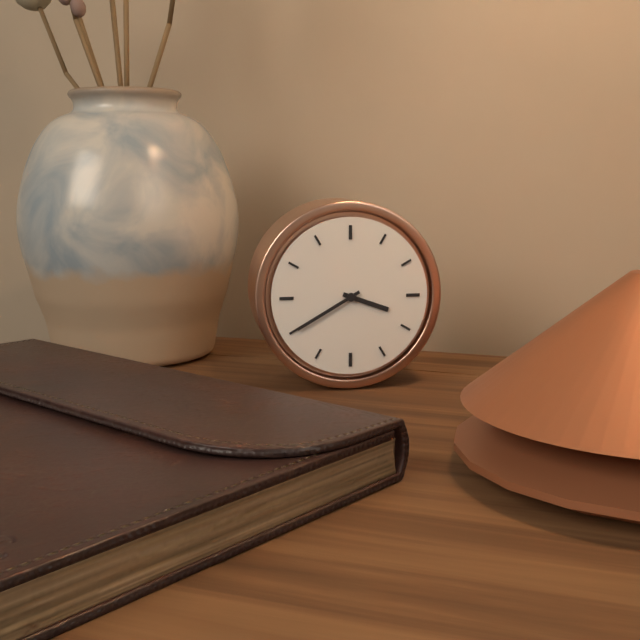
h=3 m=40
